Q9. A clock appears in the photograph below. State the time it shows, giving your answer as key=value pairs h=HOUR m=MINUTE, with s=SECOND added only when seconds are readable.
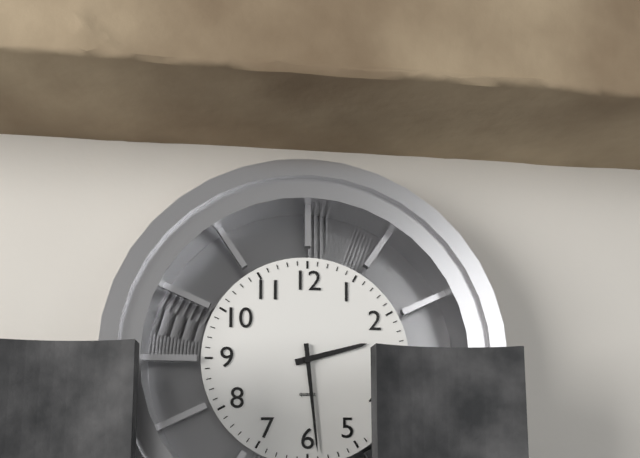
h=2 m=29
